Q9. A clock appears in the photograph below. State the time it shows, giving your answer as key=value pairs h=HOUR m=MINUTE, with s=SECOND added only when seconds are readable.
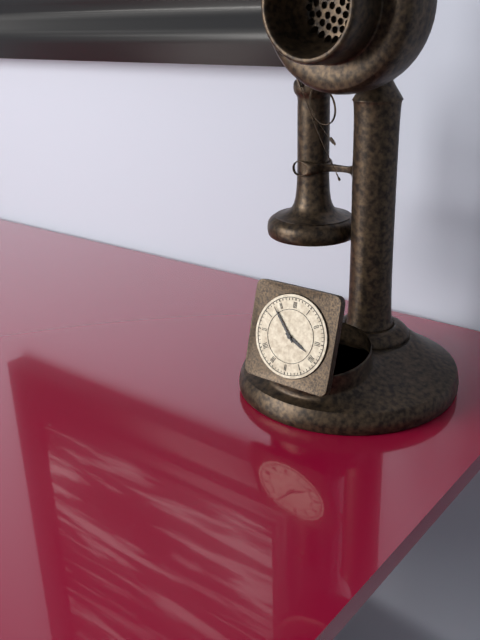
h=3 m=53
